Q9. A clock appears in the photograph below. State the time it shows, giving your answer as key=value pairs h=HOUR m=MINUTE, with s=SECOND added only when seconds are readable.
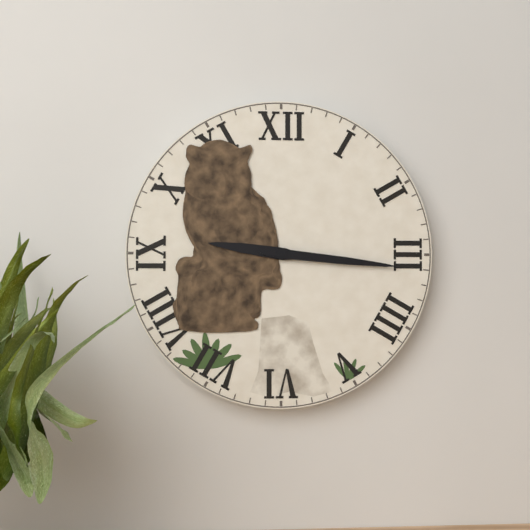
h=9 m=16
